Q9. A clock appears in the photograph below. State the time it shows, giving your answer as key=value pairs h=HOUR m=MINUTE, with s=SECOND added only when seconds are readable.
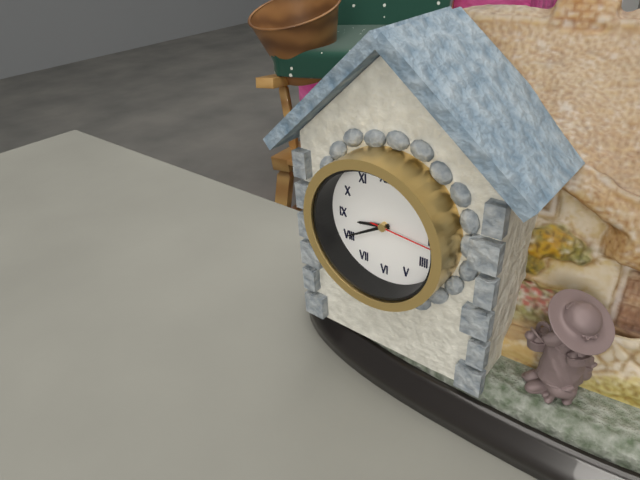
h=8 m=40 s=16
